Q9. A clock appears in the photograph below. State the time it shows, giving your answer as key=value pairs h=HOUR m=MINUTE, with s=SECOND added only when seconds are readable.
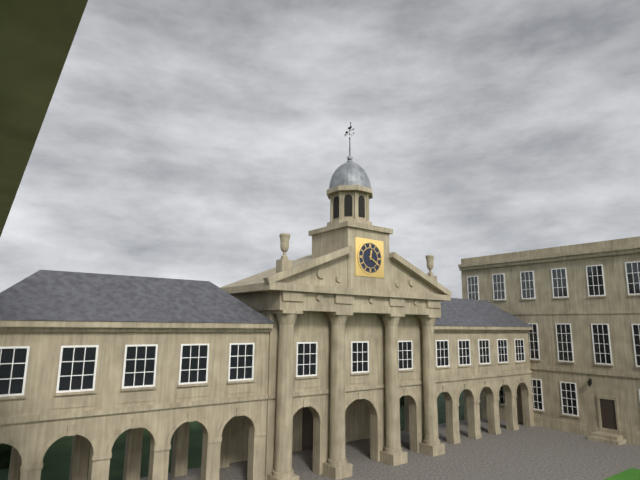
h=12 m=20
